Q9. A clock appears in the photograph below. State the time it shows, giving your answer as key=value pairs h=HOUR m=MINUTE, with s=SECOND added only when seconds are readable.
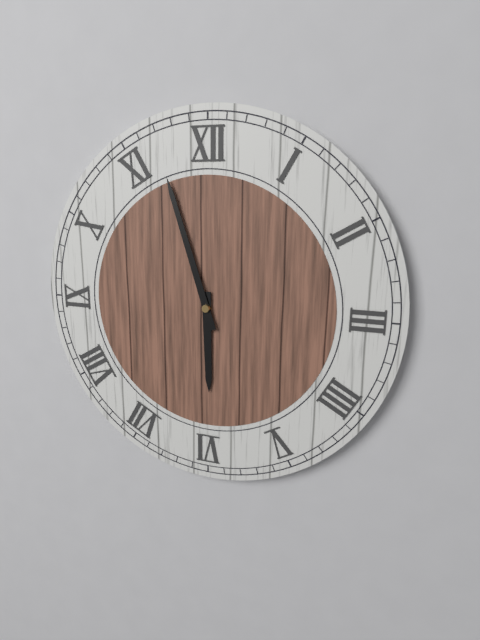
h=5 m=57
